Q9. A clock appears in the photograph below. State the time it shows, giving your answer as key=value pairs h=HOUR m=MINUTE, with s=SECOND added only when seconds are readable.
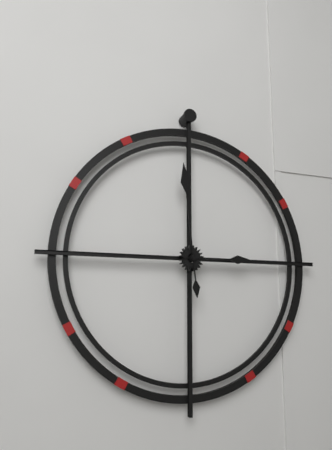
h=2 m=59
